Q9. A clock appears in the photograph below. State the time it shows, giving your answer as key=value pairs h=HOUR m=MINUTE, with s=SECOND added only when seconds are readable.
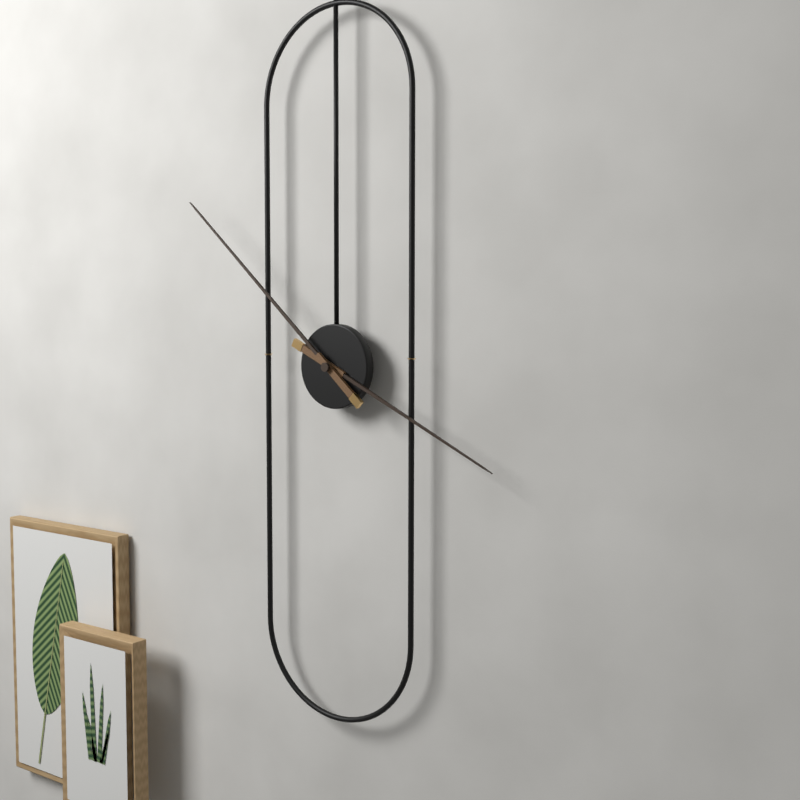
h=3 m=52
